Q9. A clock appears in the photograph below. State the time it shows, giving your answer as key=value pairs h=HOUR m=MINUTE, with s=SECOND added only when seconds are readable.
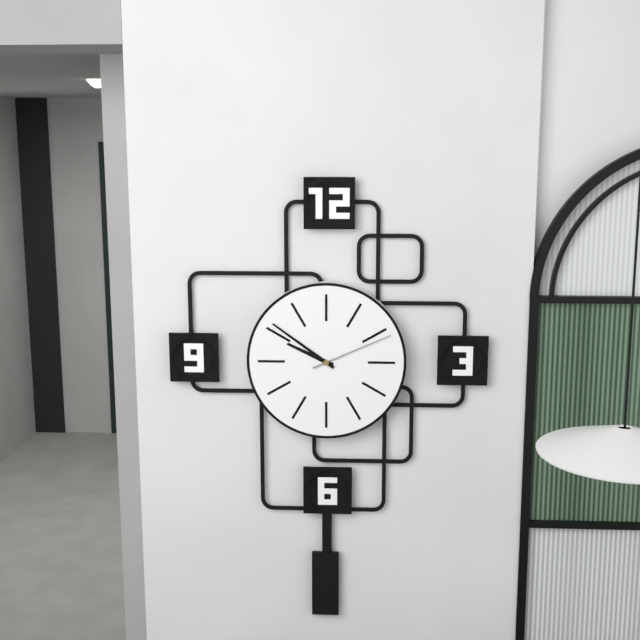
h=9 m=51 s=11
